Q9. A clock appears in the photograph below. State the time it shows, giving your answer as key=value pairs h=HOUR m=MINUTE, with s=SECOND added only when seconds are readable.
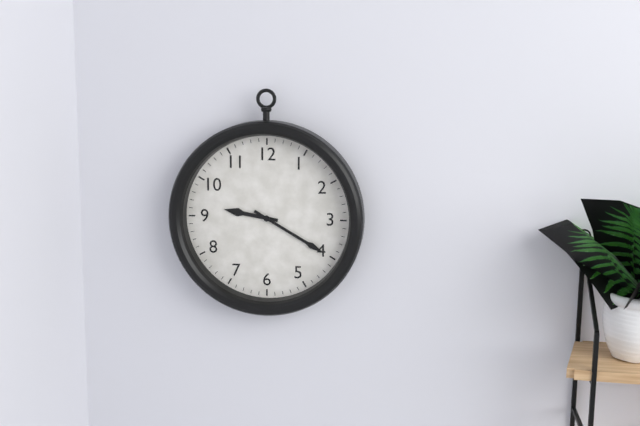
h=9 m=20
